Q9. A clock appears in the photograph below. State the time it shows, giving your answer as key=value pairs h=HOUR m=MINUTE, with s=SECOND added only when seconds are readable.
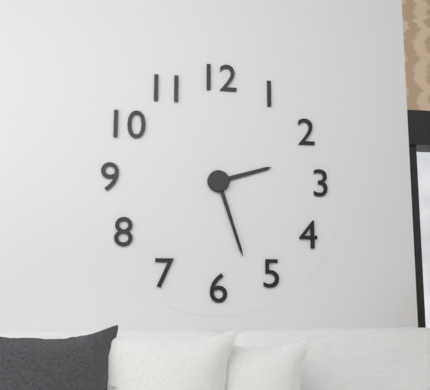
h=2 m=27
